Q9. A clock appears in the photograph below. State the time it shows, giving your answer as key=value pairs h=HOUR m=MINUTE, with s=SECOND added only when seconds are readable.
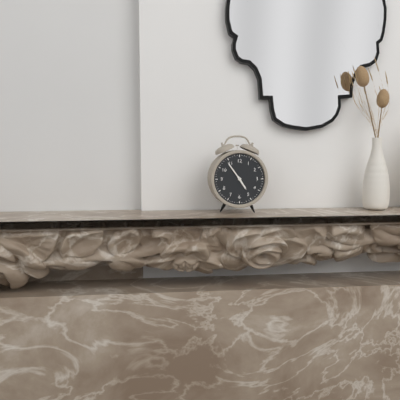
h=4 m=54
